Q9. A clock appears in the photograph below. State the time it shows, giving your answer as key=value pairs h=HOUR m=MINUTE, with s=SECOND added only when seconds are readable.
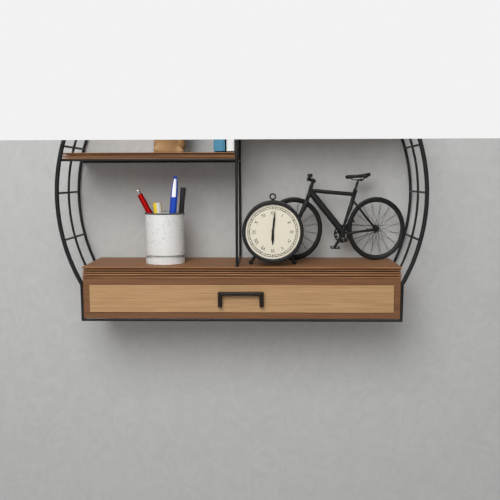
h=6 m=1
